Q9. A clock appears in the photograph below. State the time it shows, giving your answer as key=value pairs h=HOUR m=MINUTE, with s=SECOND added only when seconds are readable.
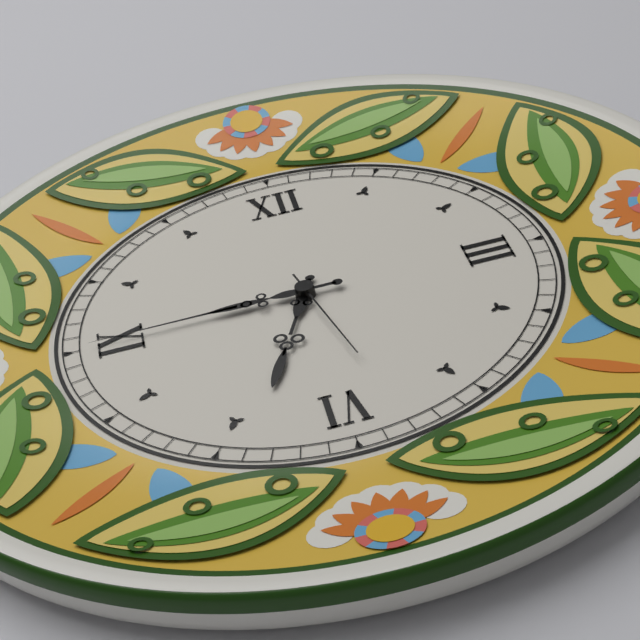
h=6 m=45 s=28
